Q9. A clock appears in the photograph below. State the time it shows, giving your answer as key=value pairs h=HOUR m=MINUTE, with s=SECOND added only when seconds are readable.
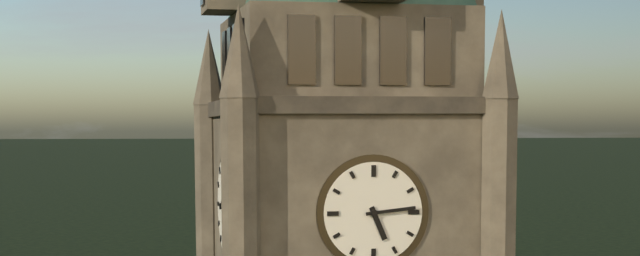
h=5 m=14
